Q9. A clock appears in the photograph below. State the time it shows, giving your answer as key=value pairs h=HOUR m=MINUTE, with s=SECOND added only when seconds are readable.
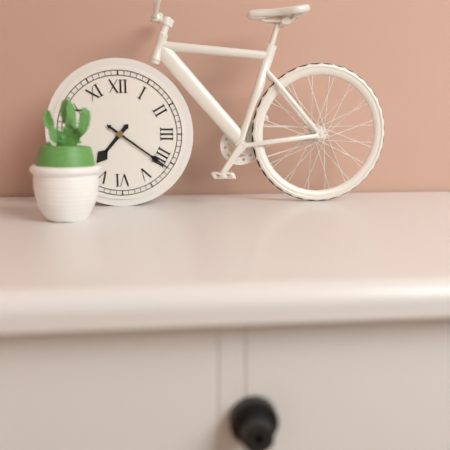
h=7 m=21
